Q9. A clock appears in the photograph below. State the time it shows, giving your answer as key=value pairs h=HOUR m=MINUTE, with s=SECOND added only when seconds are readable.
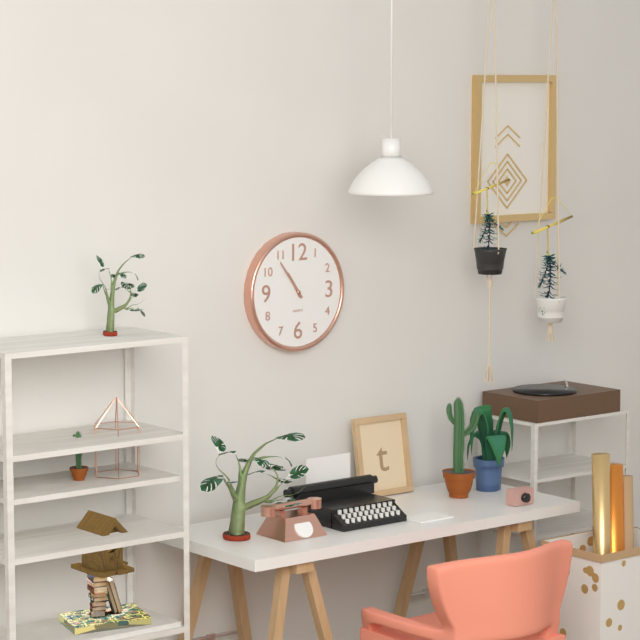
h=10 m=54
